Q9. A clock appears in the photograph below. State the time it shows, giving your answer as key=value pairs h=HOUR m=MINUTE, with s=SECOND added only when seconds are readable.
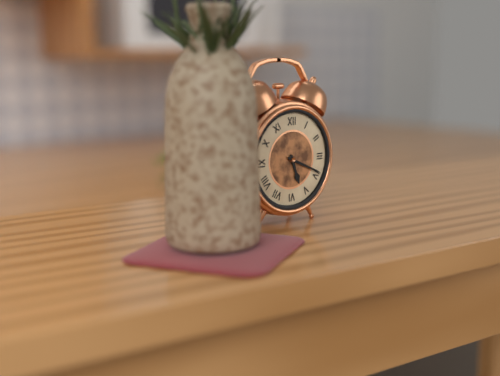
h=5 m=19
